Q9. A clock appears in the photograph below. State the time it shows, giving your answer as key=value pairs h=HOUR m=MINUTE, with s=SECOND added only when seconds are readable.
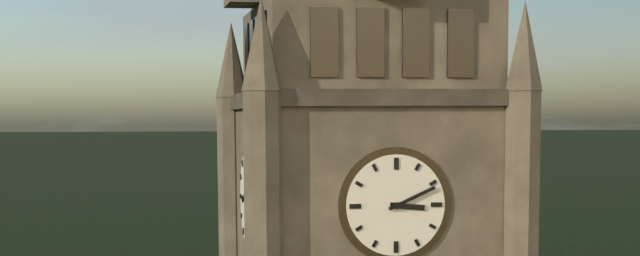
h=3 m=11
